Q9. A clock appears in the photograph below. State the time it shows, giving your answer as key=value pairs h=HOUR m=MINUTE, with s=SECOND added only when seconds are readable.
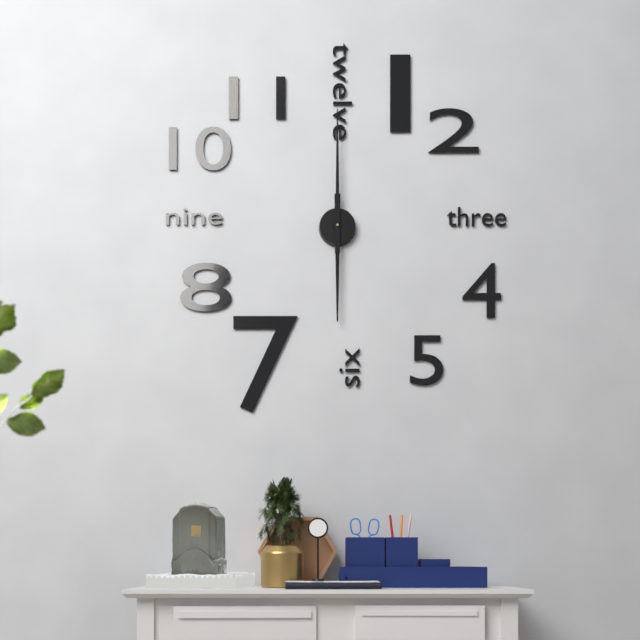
h=6 m=0
